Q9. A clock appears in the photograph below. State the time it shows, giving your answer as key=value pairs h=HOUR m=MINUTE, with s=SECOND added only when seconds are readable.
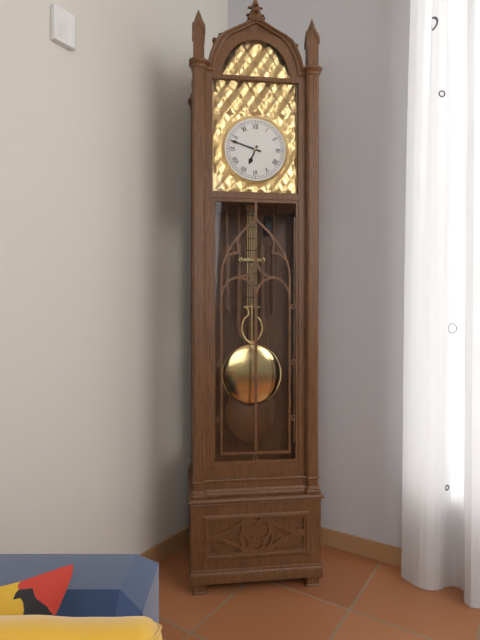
h=6 m=48
